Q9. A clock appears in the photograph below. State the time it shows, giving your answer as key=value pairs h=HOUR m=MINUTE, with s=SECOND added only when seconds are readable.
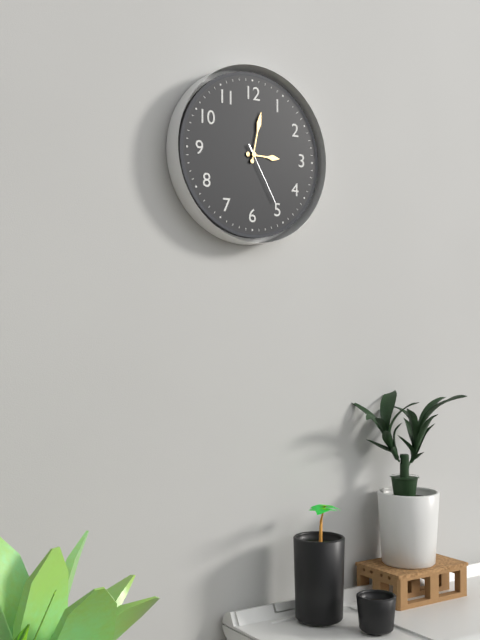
h=3 m=2 s=25
